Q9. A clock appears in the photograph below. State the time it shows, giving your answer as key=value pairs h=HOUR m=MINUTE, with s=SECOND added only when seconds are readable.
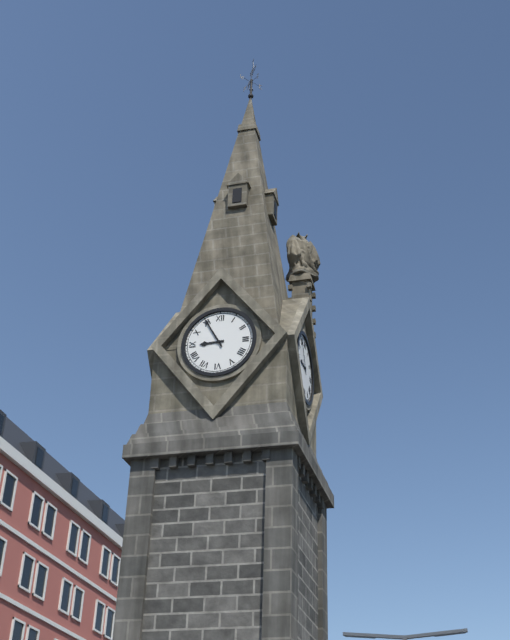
h=8 m=55
